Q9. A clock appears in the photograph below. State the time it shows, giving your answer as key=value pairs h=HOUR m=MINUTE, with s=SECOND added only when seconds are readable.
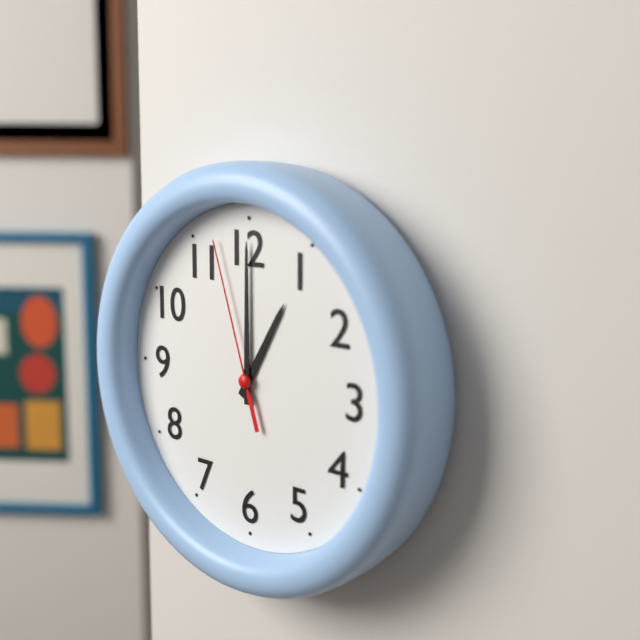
h=1 m=0 s=57
